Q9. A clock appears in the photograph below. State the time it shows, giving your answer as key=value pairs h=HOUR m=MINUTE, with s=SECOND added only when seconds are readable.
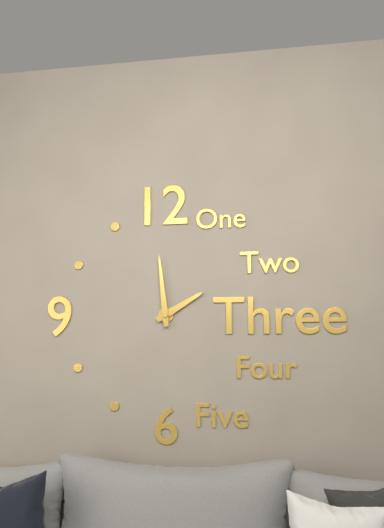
h=1 m=59
